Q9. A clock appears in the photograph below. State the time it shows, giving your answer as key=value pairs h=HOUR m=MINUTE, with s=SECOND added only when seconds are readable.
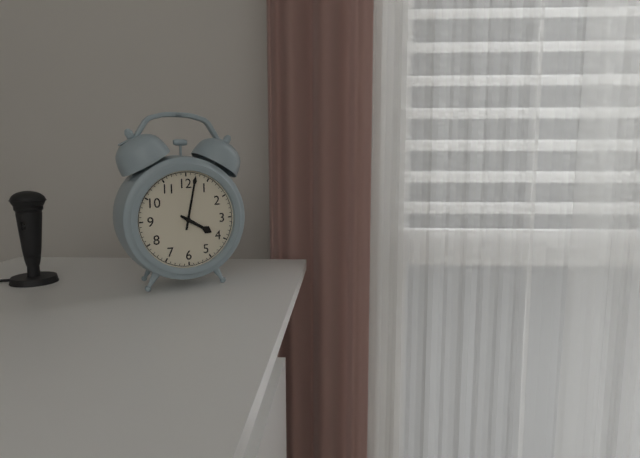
h=4 m=2
